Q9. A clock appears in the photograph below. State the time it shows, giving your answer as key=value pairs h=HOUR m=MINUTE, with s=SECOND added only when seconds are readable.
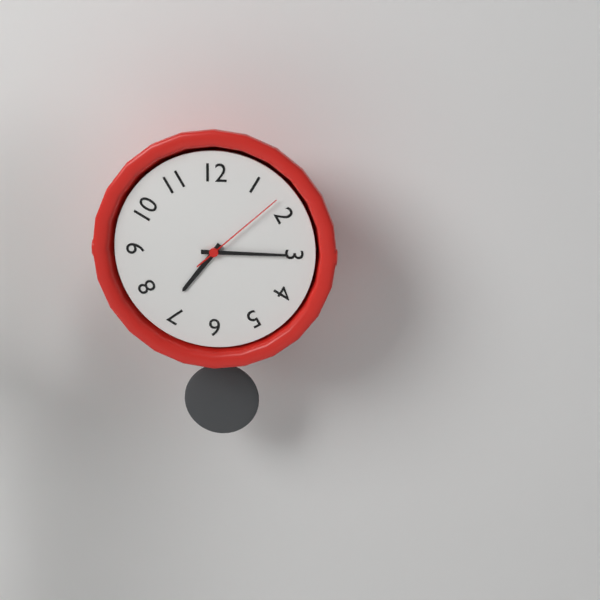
h=7 m=15 s=8
